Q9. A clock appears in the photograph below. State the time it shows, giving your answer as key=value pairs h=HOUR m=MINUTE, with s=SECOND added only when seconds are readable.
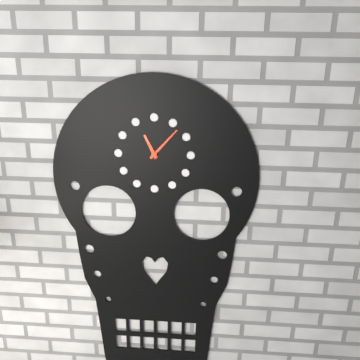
h=11 m=7
